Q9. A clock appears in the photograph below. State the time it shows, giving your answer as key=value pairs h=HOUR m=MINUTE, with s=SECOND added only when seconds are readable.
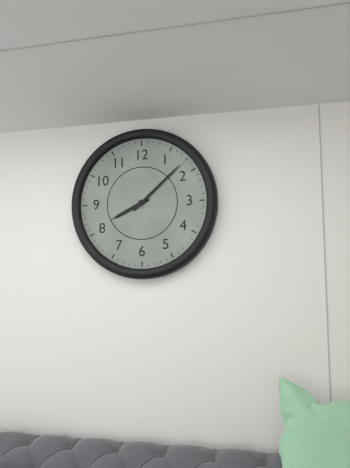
h=8 m=8
